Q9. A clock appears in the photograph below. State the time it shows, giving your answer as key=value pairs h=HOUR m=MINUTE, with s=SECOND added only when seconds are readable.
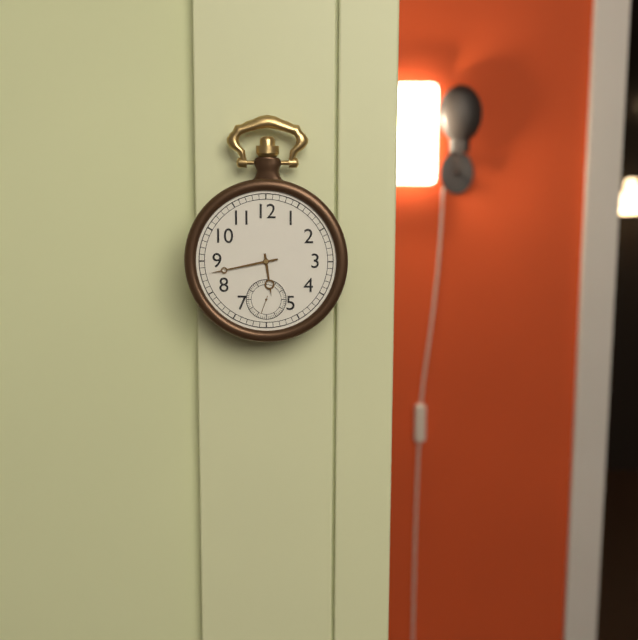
h=5 m=43
